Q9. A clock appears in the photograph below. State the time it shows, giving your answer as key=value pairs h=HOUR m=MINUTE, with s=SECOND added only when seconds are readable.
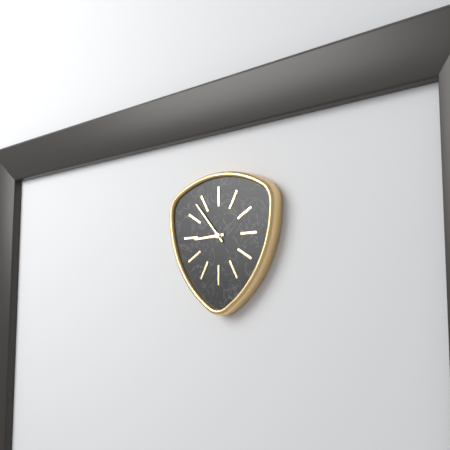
h=8 m=53
